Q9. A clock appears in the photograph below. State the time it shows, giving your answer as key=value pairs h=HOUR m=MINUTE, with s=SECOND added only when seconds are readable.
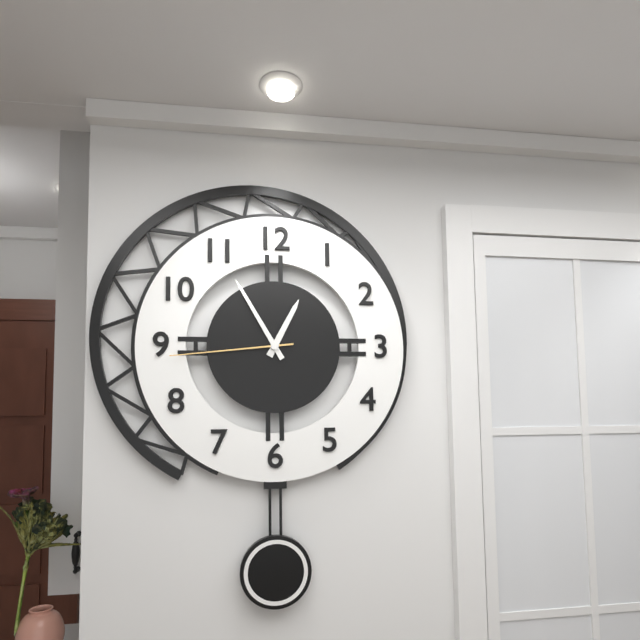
h=12 m=55 s=44
